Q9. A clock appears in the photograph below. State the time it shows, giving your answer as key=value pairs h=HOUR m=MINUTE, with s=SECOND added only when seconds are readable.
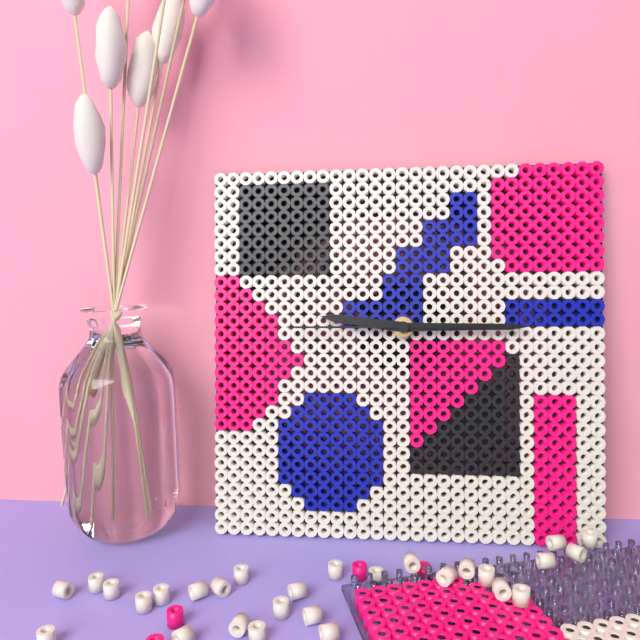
h=9 m=15 s=45
